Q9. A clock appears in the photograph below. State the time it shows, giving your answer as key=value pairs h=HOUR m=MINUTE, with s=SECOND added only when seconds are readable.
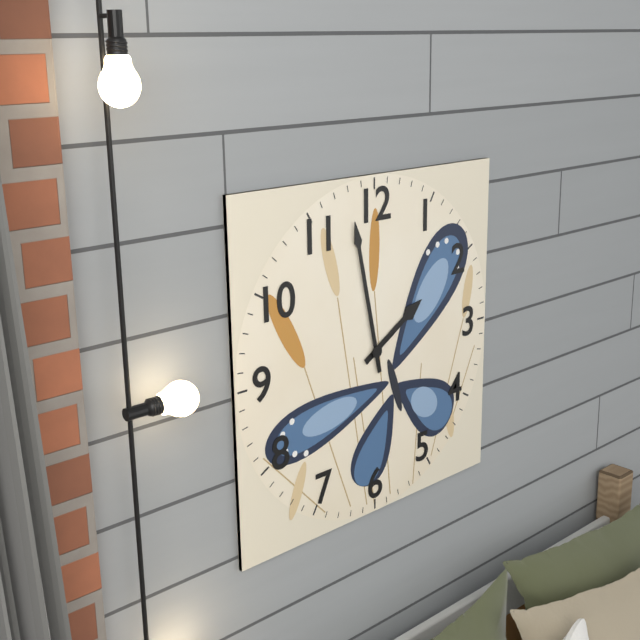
h=1 m=58
